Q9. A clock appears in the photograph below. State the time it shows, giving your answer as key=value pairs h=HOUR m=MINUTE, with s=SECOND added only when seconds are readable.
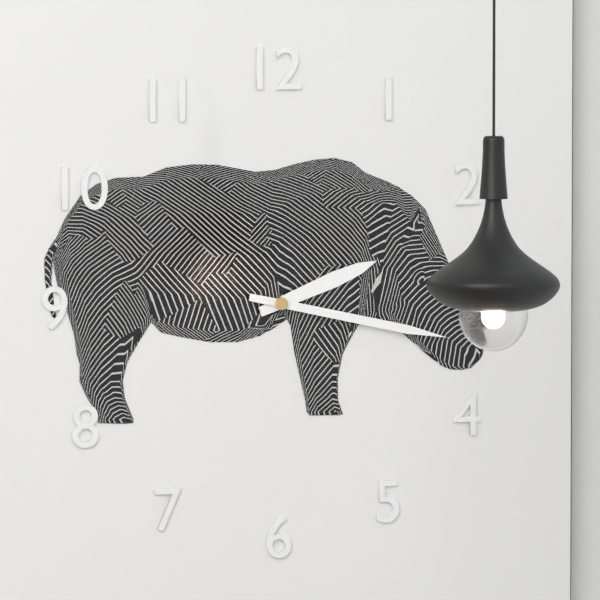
h=2 m=17
